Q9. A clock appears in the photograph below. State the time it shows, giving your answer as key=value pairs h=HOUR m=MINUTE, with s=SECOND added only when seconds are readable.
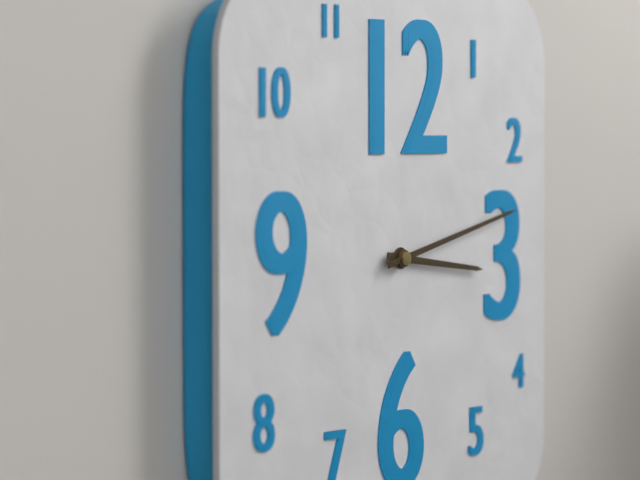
h=3 m=13
